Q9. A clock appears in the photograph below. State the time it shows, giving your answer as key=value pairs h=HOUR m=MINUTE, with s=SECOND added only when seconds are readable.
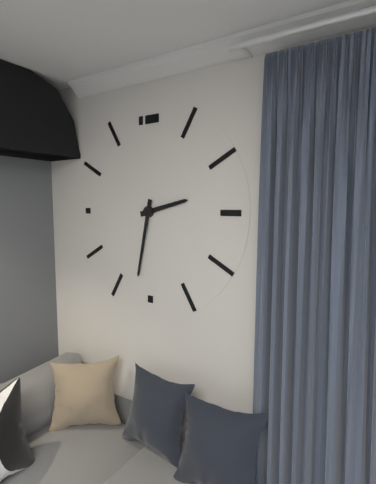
h=2 m=32
